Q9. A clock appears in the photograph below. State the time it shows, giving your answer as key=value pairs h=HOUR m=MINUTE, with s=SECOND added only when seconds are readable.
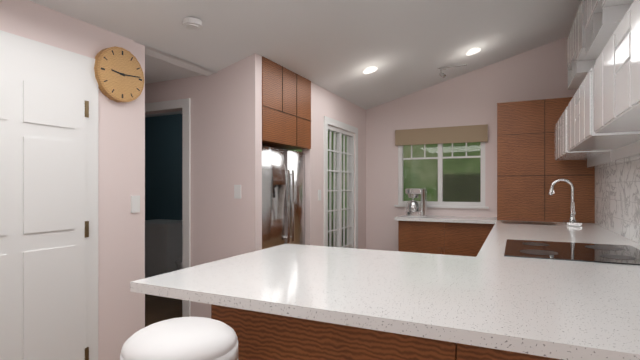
h=9 m=14
